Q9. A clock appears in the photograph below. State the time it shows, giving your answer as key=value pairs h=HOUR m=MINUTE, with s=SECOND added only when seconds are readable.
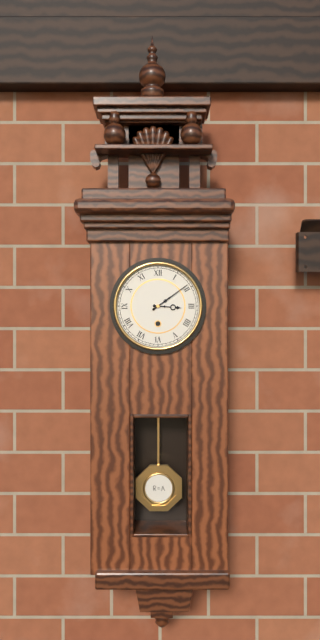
h=3 m=9
